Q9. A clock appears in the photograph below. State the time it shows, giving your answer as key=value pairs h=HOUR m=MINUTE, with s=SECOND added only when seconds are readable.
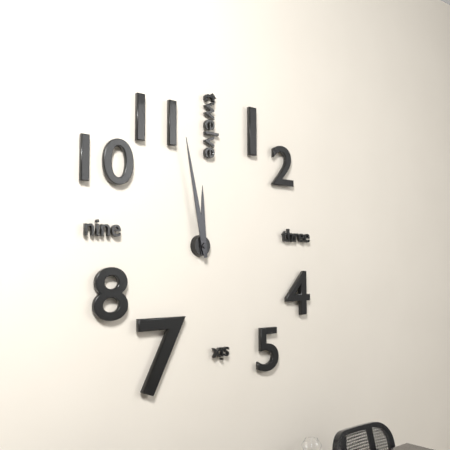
h=11 m=58
